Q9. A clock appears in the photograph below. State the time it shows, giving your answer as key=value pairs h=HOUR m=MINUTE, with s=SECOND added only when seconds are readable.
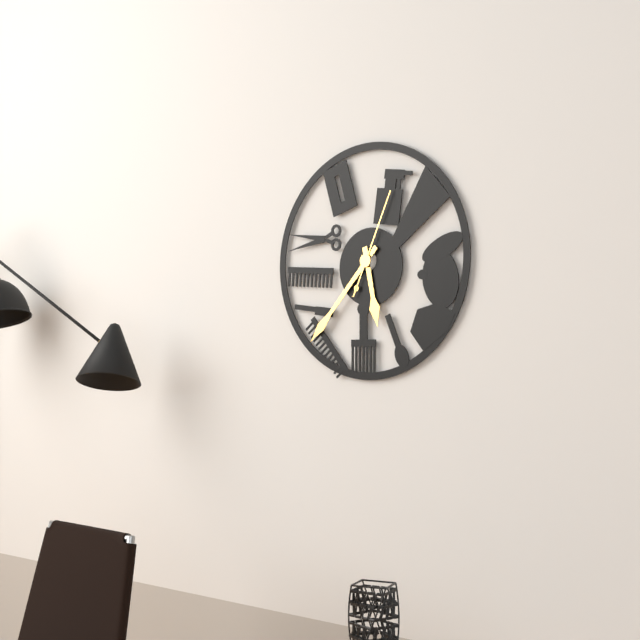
h=5 m=37 s=4
